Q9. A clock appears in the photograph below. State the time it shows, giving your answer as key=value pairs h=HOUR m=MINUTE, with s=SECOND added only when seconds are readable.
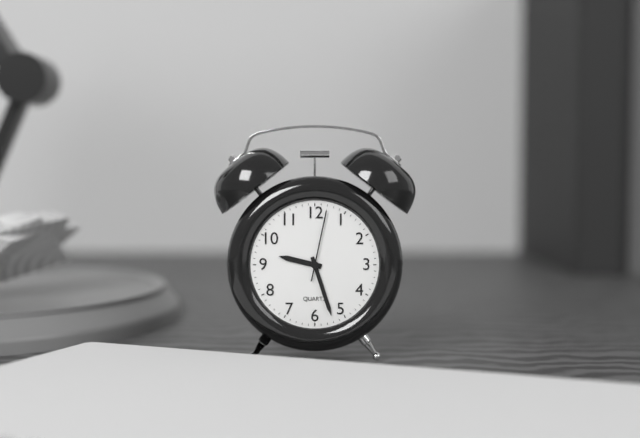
h=9 m=27 s=2
